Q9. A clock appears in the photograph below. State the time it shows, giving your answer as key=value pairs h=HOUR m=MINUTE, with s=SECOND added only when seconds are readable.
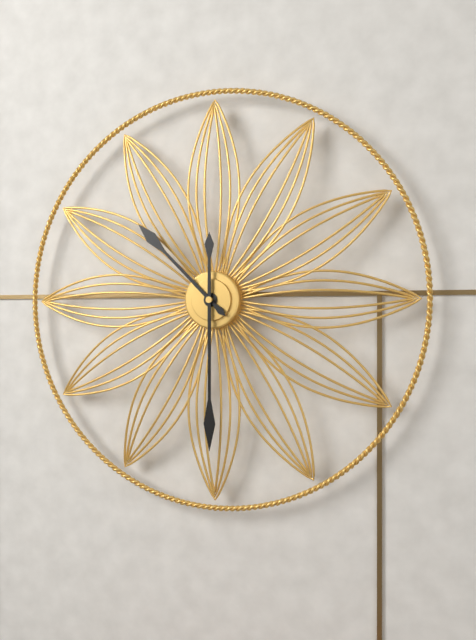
h=10 m=30
